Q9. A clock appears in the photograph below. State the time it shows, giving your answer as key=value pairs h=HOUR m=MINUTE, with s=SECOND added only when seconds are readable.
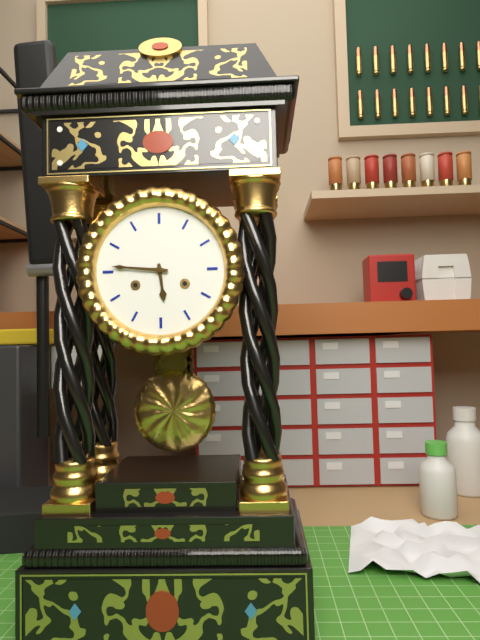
h=5 m=46
